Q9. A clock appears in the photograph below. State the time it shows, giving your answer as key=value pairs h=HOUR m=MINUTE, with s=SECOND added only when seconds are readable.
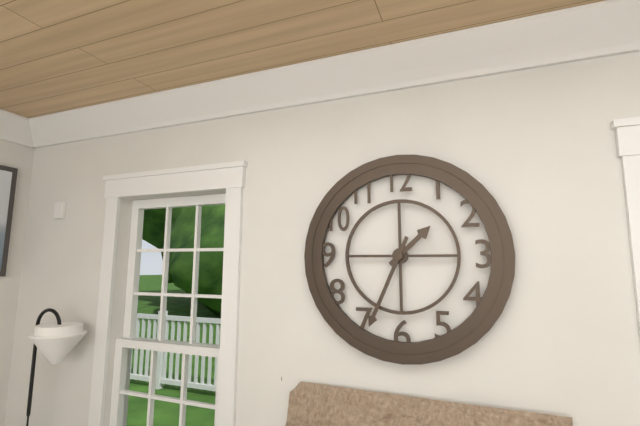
h=1 m=34
